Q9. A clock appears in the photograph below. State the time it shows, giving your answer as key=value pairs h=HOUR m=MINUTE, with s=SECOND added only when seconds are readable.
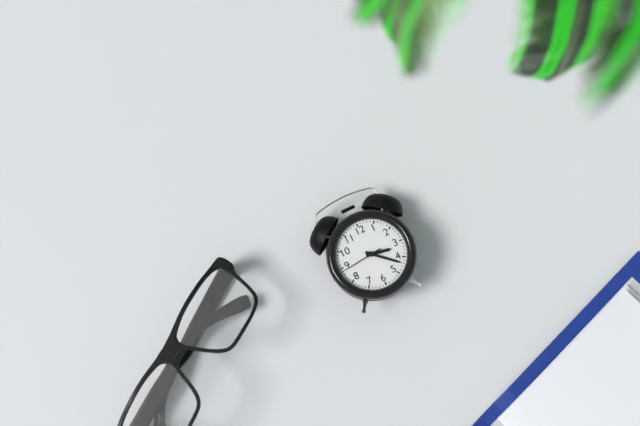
h=3 m=22
